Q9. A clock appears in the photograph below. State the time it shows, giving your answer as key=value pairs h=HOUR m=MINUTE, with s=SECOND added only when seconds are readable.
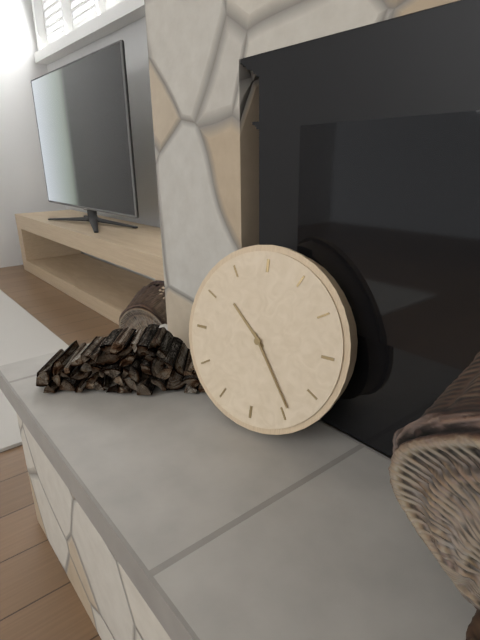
h=10 m=24
